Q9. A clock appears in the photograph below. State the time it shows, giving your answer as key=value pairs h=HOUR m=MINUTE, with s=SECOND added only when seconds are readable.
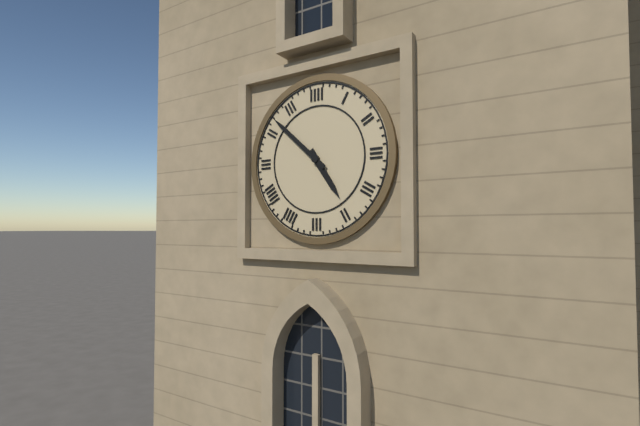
h=4 m=52
